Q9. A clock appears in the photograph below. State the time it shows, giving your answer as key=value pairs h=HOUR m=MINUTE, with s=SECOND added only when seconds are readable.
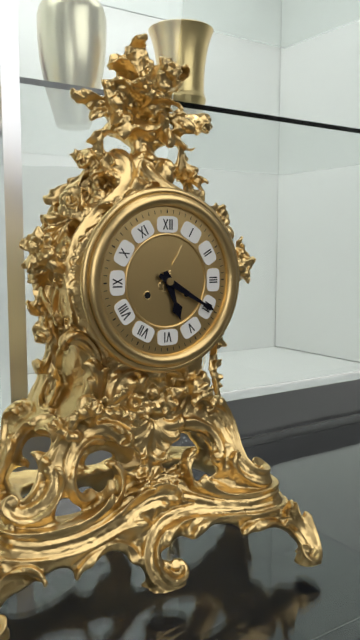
h=5 m=20
